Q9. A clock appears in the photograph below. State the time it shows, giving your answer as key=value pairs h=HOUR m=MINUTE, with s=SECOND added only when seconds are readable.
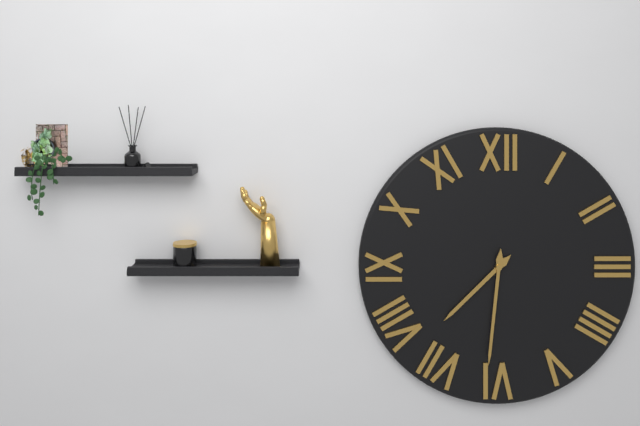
h=7 m=31
